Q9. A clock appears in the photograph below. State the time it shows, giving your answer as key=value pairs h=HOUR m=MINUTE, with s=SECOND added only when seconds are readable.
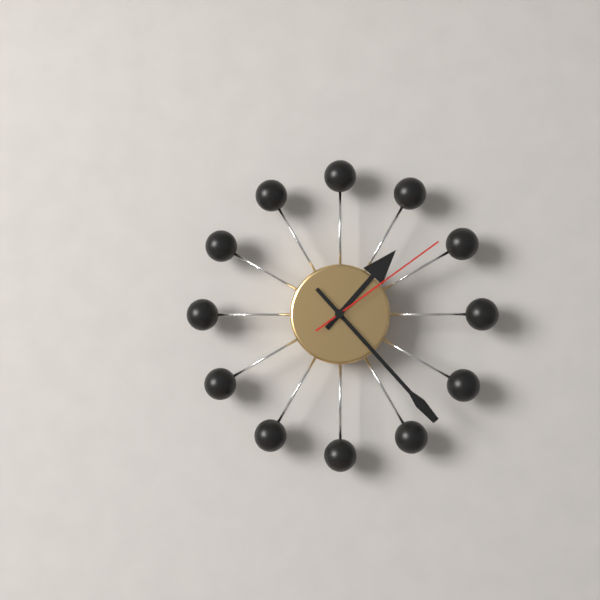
h=1 m=23 s=9
